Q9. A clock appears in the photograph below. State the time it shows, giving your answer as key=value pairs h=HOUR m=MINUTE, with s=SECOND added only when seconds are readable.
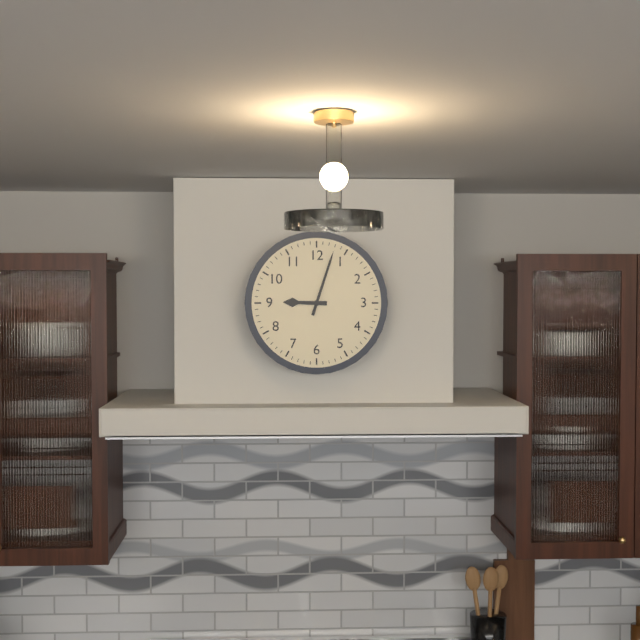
h=9 m=3
